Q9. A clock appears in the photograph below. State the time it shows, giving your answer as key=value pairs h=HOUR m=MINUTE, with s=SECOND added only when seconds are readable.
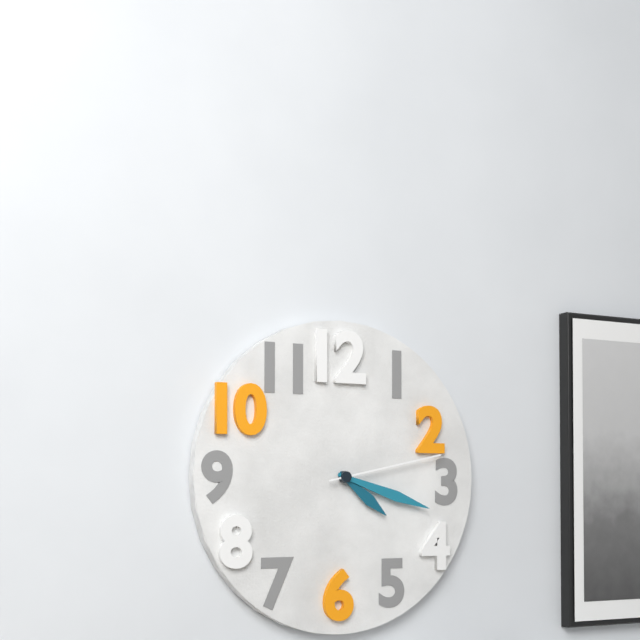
h=4 m=18 s=13
